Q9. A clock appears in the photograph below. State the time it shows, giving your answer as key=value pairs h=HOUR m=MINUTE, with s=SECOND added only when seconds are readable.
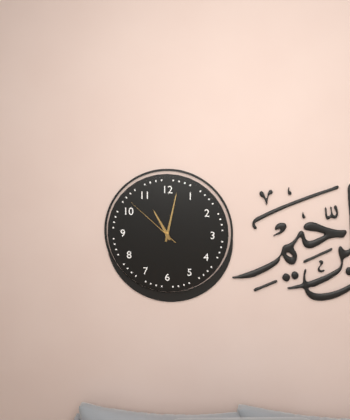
h=11 m=2 s=52
